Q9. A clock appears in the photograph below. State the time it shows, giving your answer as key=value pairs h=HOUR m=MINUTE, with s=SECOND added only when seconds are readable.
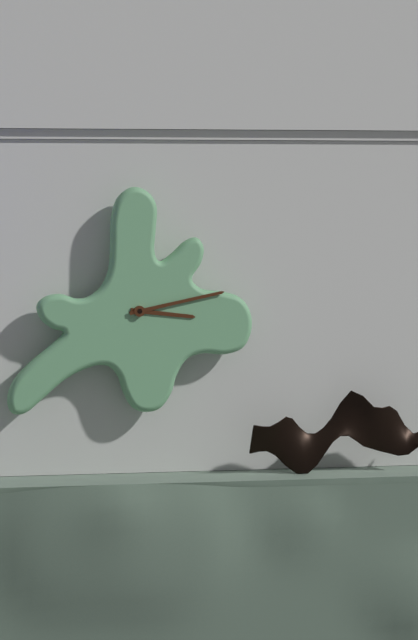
h=3 m=13
